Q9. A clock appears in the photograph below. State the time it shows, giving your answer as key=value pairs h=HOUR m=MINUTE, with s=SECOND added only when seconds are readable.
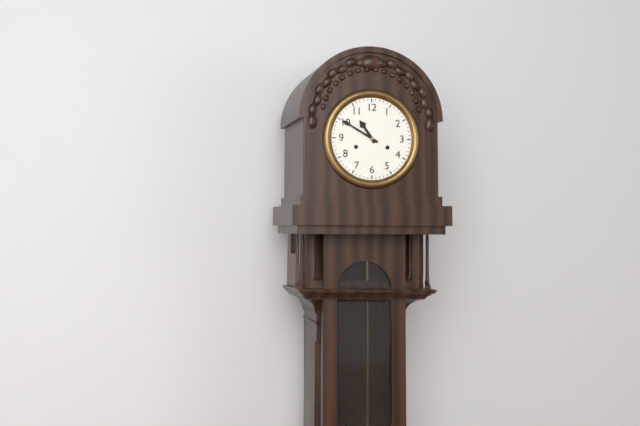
h=10 m=50
